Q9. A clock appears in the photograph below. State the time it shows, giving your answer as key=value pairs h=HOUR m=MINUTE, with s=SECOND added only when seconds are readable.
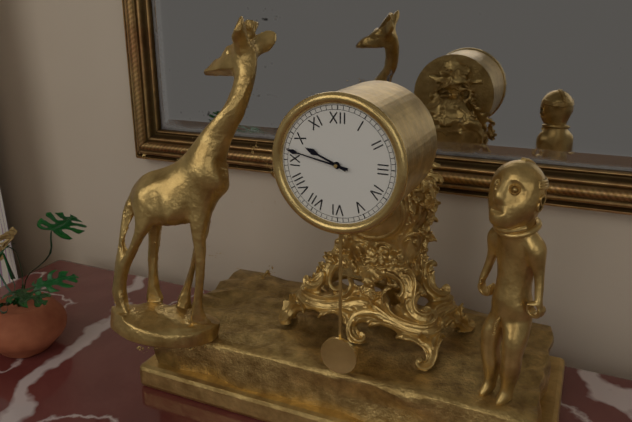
h=9 m=47
